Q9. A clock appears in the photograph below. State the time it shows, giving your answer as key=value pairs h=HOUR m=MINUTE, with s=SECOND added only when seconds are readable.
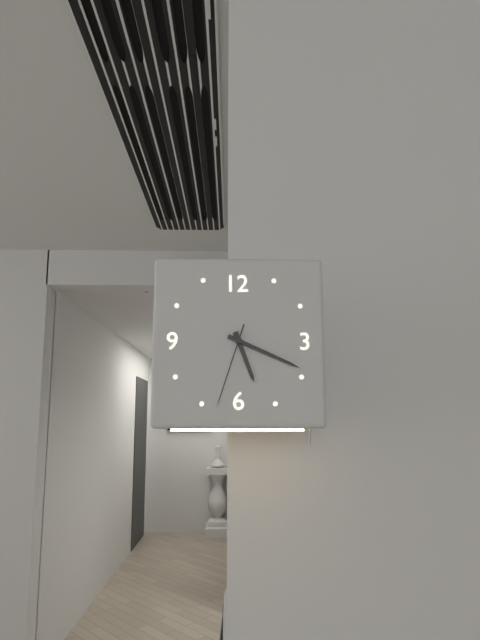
h=5 m=19 s=33
